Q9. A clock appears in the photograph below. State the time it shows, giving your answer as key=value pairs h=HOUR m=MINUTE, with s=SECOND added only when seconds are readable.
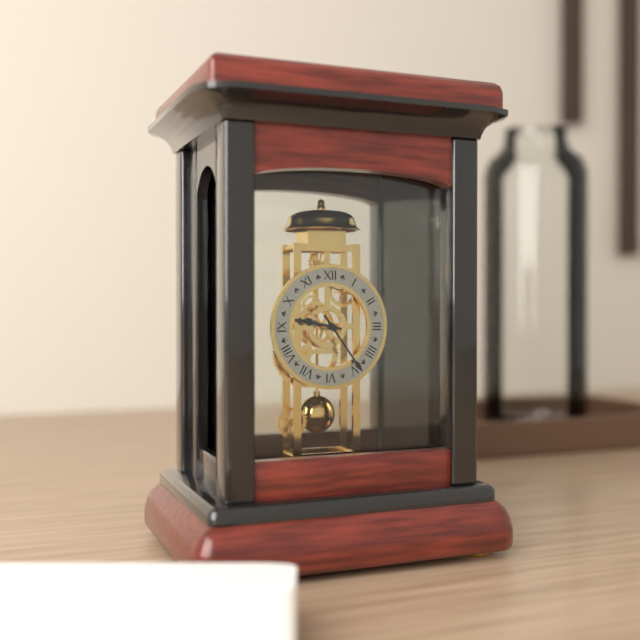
h=9 m=24
